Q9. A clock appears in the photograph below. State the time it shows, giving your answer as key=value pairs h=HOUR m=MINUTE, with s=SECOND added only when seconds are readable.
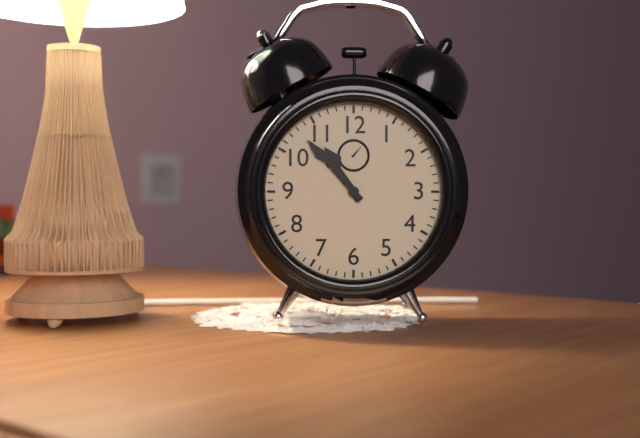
h=10 m=53
